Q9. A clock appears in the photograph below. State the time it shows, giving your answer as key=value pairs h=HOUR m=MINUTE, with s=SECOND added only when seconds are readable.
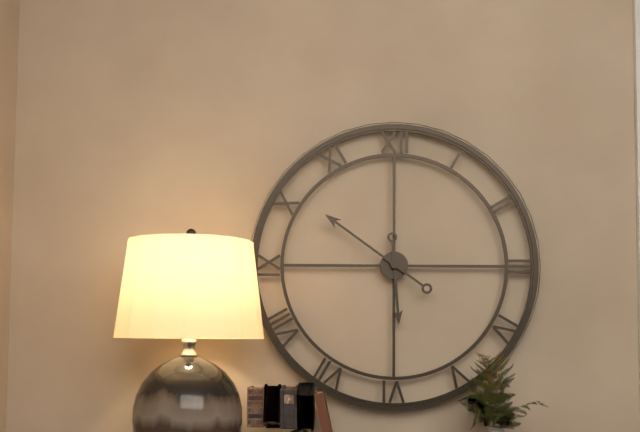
h=5 m=51
